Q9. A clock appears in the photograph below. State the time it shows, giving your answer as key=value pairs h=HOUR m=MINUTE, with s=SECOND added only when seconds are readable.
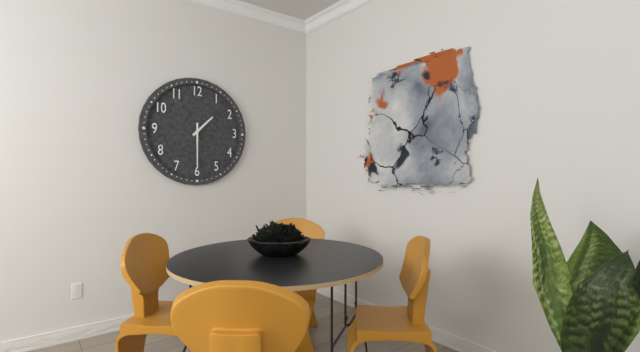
h=1 m=30
